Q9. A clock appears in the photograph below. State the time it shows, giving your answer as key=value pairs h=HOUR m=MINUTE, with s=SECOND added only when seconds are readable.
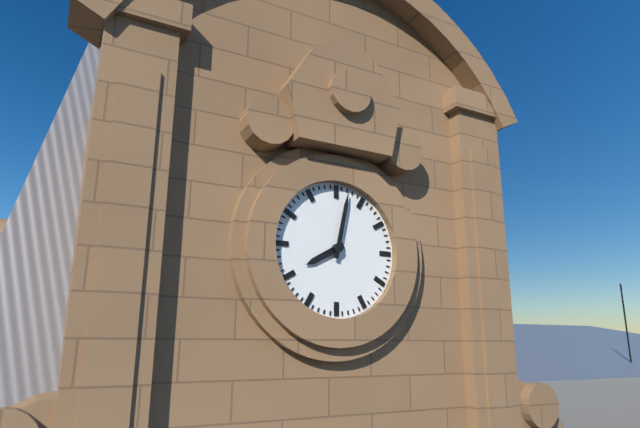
h=8 m=2
